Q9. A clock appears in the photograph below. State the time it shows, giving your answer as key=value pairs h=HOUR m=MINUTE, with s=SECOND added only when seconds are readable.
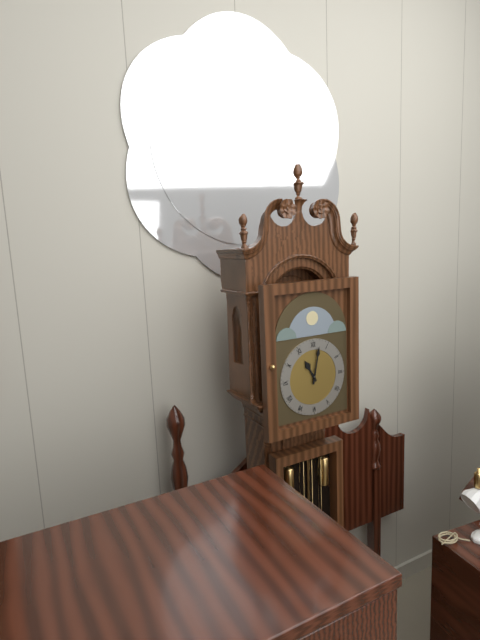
h=11 m=2
